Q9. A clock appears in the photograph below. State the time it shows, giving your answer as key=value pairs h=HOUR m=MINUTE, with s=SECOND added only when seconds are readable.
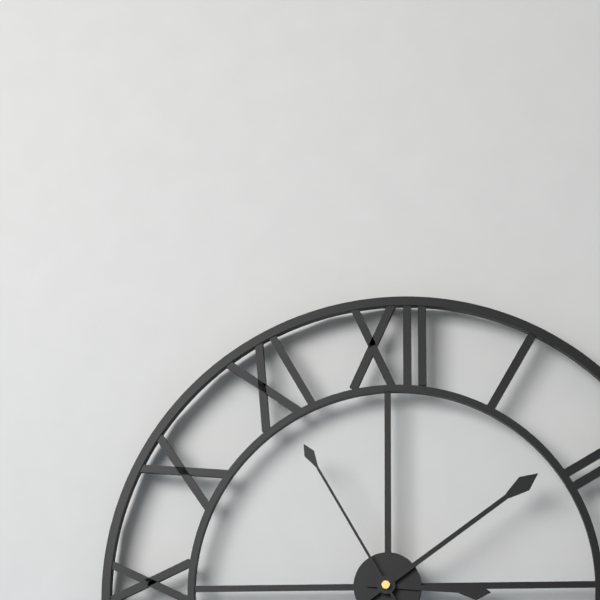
h=3 m=9 s=55
